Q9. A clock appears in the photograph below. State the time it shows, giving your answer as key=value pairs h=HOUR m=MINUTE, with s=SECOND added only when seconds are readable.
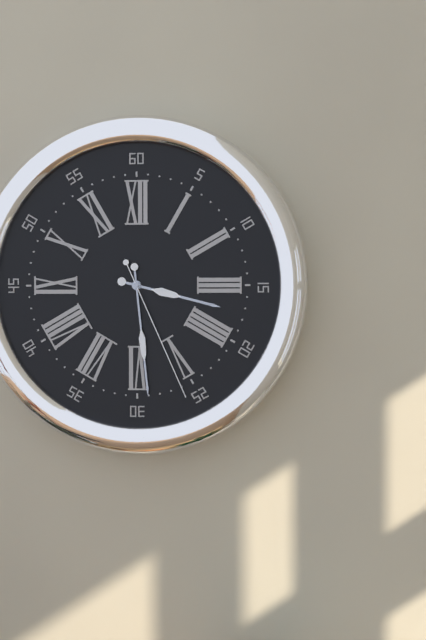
h=3 m=29 s=26
